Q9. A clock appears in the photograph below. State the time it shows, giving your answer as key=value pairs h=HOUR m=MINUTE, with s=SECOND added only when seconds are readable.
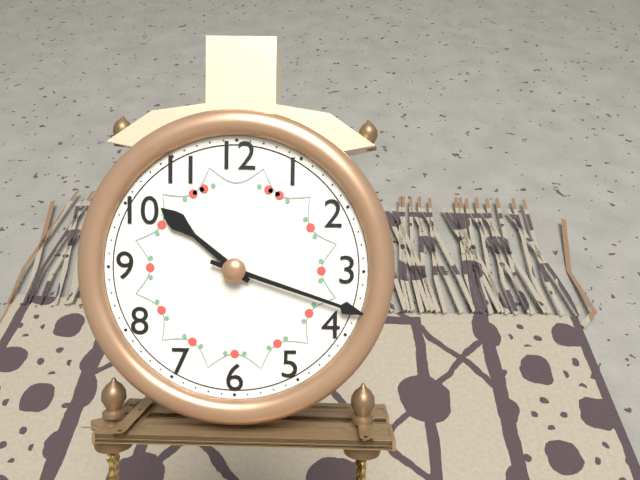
h=10 m=18
